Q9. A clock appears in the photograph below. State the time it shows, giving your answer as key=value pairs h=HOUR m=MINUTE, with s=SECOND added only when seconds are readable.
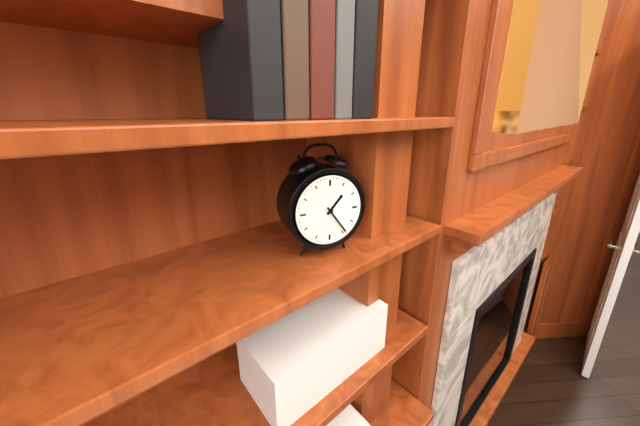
h=1 m=24
